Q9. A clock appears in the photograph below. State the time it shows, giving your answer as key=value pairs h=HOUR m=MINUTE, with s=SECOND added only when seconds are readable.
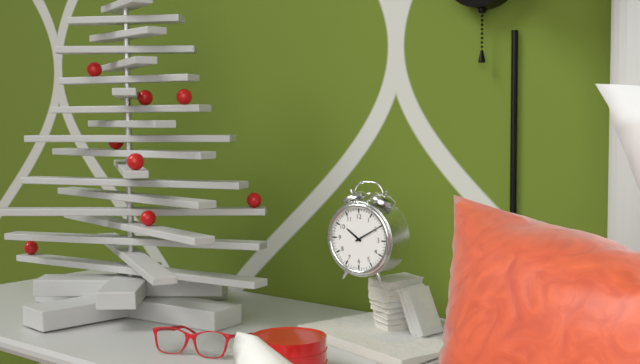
h=10 m=10
